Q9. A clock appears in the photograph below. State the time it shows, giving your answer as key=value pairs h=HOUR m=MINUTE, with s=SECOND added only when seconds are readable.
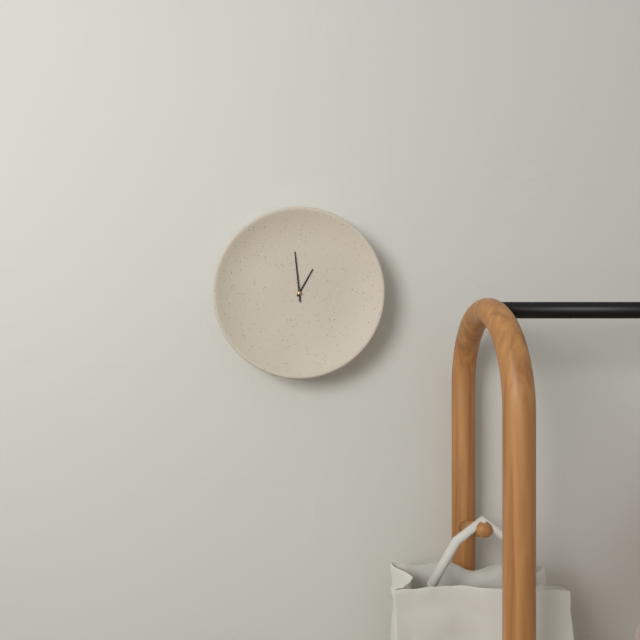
h=12 m=59
